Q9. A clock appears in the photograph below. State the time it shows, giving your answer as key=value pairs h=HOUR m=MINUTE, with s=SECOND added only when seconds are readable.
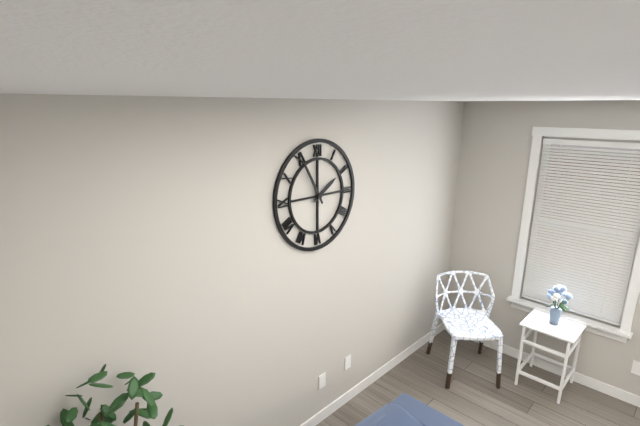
h=1 m=55
